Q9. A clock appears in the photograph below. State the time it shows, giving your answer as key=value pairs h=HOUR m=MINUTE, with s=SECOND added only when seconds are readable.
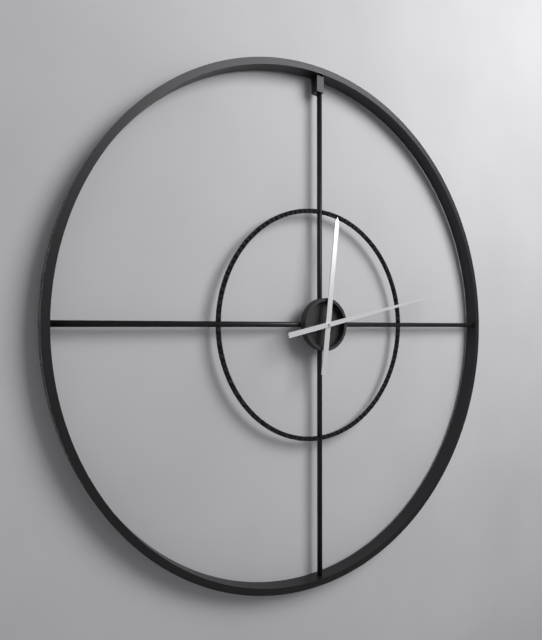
h=12 m=13
